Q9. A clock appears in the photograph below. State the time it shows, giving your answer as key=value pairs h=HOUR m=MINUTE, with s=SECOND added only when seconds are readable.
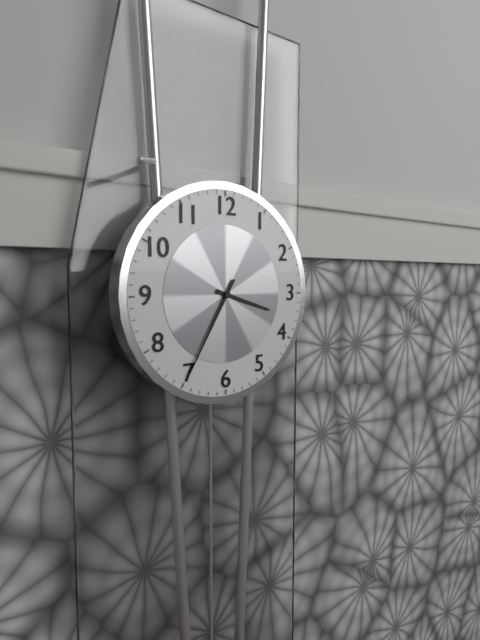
h=3 m=35
